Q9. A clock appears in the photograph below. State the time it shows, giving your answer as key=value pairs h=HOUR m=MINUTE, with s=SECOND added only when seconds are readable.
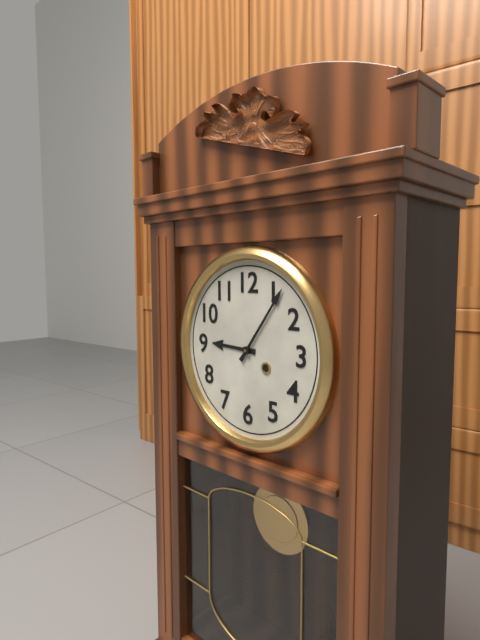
h=9 m=6
